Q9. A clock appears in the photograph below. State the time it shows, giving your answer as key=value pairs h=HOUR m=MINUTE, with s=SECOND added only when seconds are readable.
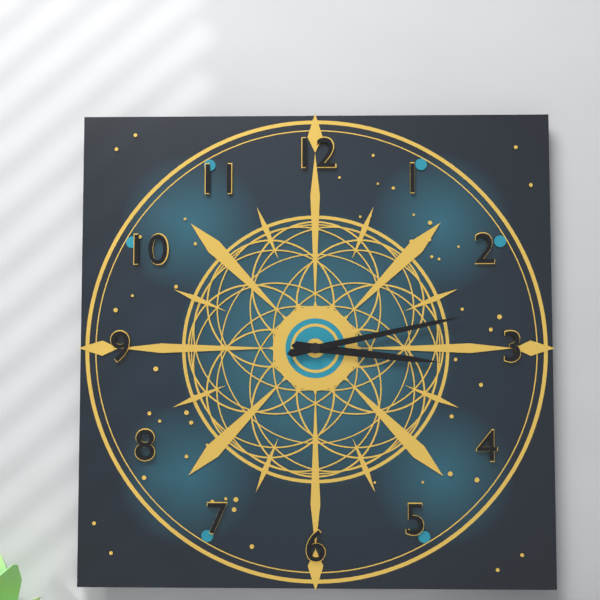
h=3 m=13
